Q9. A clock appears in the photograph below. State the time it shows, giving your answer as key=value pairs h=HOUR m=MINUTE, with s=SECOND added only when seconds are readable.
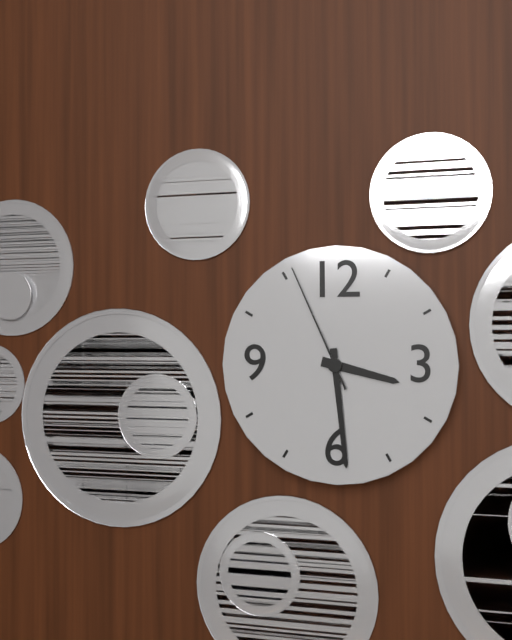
h=3 m=29 s=56
